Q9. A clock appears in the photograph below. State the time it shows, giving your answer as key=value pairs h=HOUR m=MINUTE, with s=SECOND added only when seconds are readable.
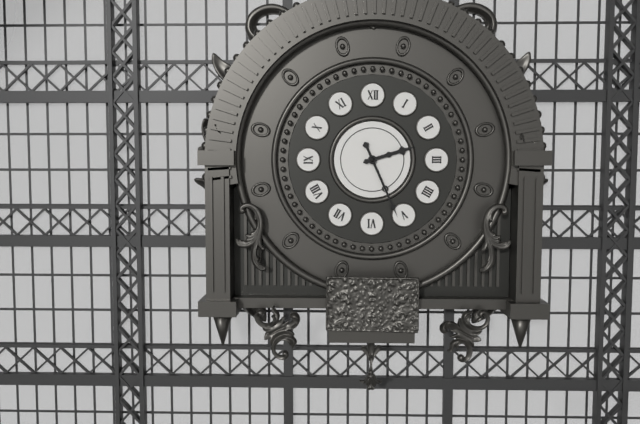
h=2 m=26
